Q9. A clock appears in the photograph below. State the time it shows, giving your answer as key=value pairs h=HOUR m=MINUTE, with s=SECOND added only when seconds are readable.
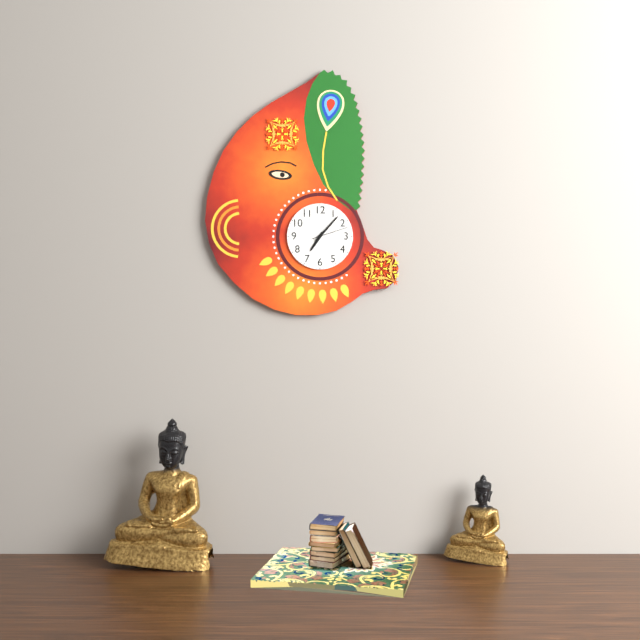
h=7 m=7
